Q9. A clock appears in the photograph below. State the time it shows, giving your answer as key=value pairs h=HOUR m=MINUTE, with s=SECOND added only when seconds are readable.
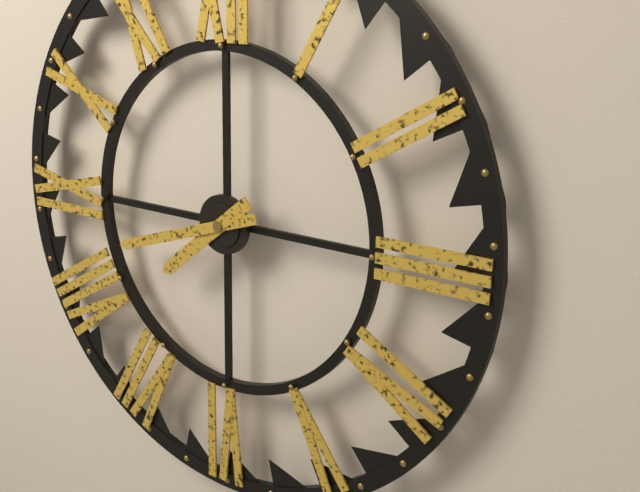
h=7 m=42
